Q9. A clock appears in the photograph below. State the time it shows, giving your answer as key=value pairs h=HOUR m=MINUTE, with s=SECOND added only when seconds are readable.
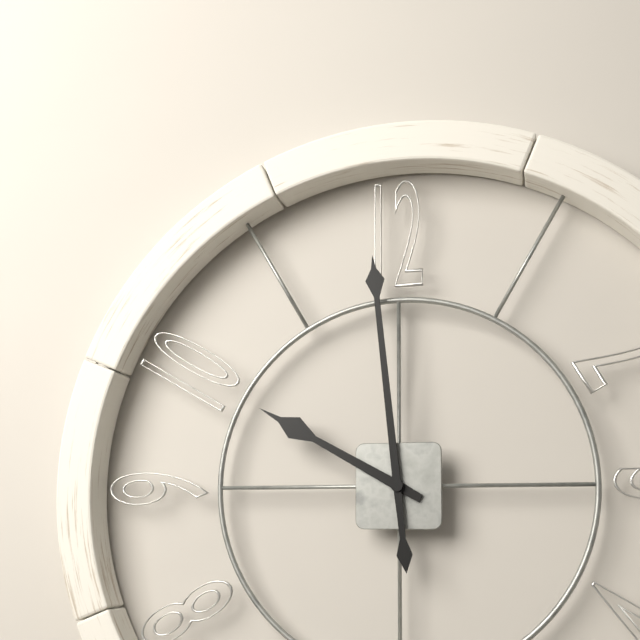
h=9 m=59
